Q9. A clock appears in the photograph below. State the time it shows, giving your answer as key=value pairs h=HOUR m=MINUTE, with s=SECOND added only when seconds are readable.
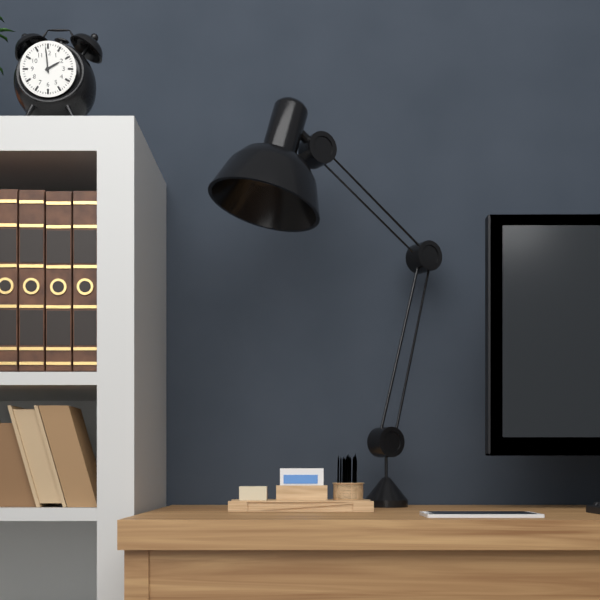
h=1 m=59
